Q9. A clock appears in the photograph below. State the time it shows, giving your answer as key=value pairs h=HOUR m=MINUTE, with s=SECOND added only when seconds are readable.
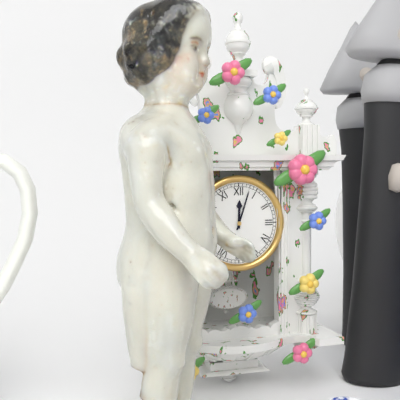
h=12 m=3
